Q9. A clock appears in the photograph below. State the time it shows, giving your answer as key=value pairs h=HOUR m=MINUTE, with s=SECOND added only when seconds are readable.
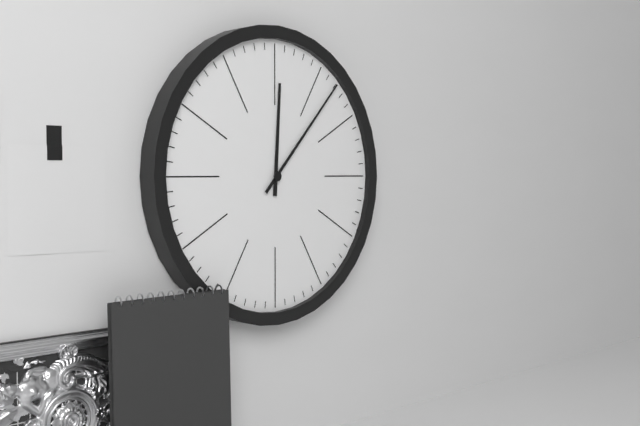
h=12 m=7
